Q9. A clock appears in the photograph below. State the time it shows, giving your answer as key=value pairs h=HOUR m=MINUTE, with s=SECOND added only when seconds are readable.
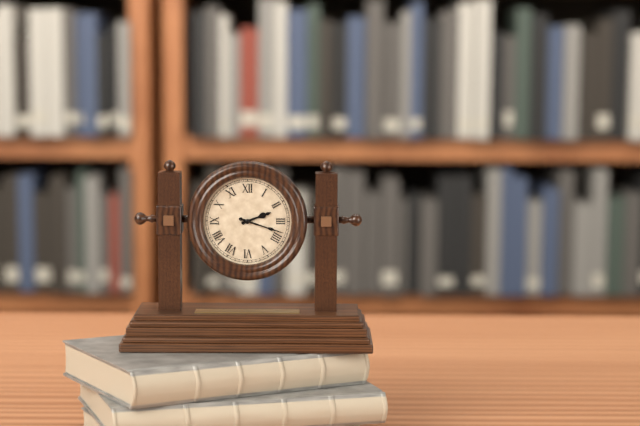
h=2 m=18
